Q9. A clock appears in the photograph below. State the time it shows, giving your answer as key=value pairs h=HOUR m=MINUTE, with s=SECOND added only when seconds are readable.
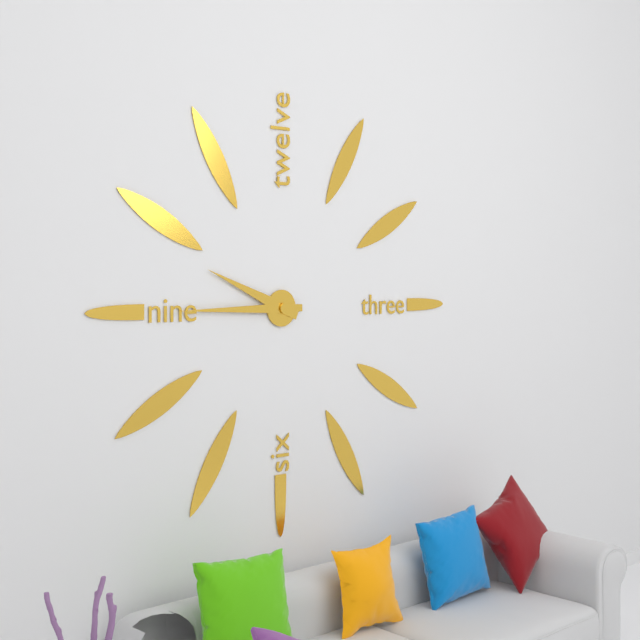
h=9 m=45
